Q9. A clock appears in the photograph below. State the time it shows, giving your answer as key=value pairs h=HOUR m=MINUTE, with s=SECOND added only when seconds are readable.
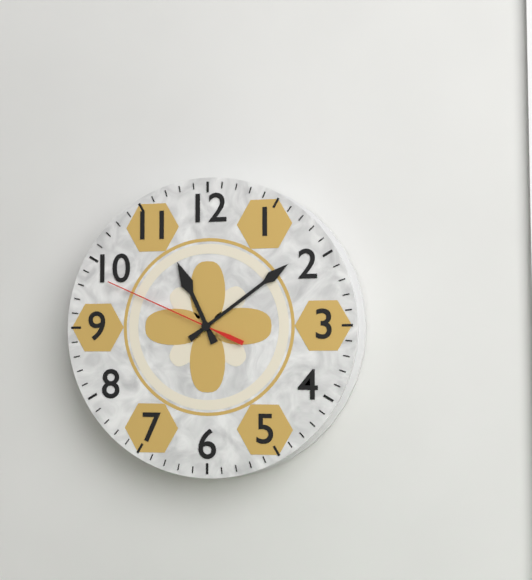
h=11 m=9 s=49
